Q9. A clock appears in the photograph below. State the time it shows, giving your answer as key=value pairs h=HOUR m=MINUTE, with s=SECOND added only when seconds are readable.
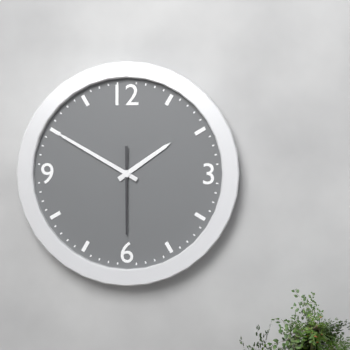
h=1 m=50 s=30
